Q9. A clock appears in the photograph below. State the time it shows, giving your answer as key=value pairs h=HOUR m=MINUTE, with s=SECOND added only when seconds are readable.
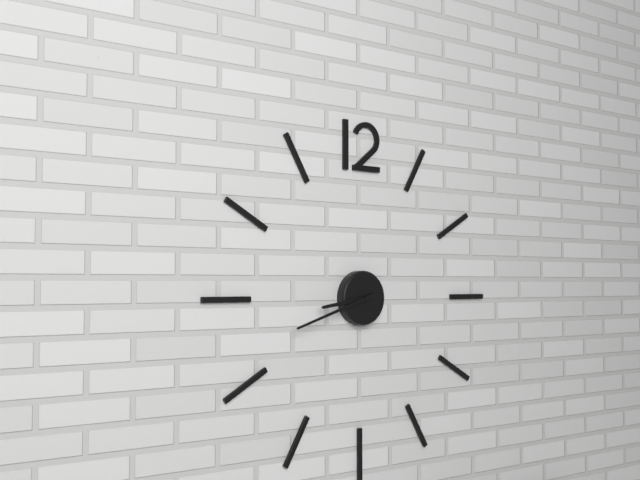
h=8 m=42
